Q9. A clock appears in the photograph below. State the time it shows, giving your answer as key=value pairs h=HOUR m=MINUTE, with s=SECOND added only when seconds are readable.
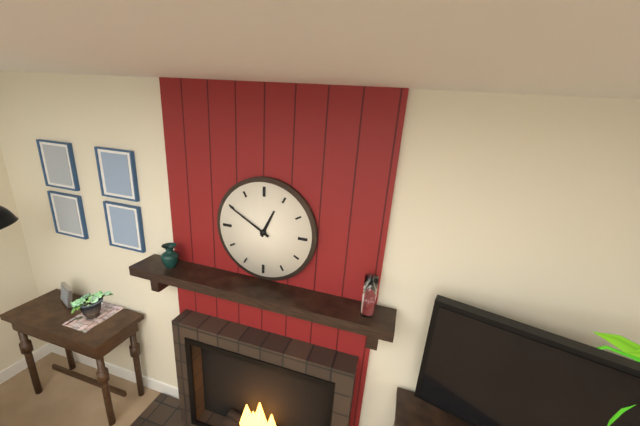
h=12 m=50
